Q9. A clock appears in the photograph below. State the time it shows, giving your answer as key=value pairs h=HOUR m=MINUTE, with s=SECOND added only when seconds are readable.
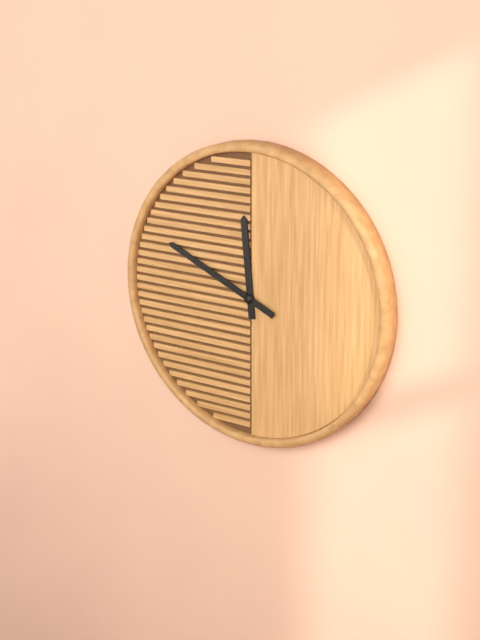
h=11 m=49
